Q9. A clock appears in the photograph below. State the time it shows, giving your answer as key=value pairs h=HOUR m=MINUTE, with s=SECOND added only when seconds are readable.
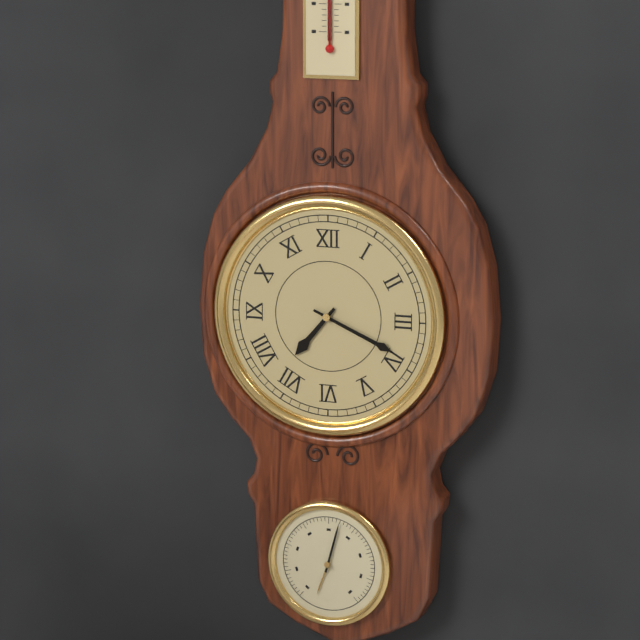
h=7 m=19
